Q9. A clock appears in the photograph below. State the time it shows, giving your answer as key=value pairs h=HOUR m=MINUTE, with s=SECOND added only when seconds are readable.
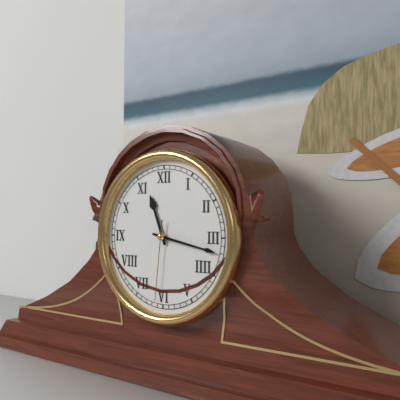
h=11 m=17 s=31
